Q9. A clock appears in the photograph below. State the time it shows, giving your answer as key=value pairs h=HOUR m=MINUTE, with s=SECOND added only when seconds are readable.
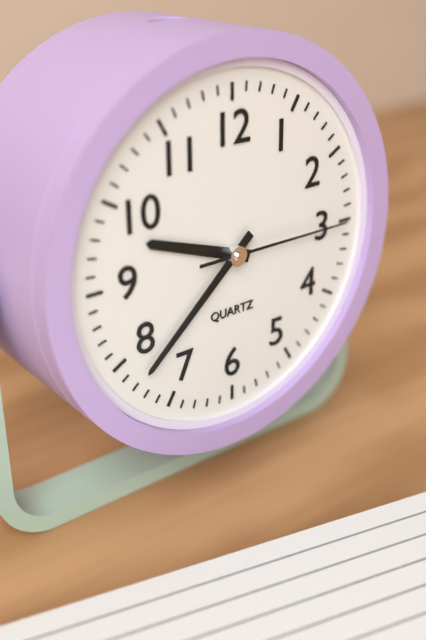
h=9 m=38 s=15
